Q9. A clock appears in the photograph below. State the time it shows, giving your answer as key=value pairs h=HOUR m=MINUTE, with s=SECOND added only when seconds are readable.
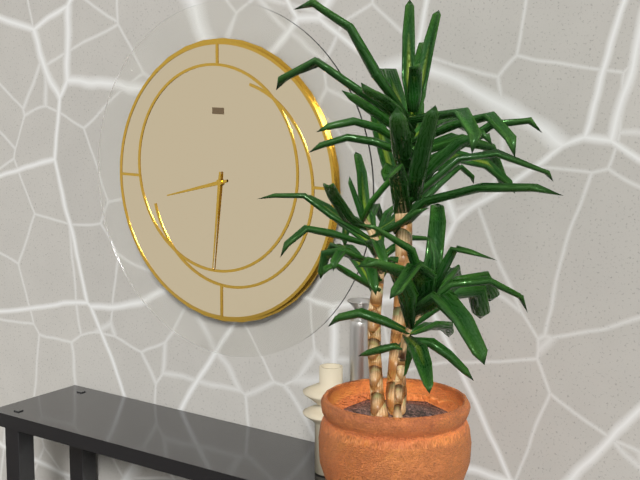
h=8 m=31
